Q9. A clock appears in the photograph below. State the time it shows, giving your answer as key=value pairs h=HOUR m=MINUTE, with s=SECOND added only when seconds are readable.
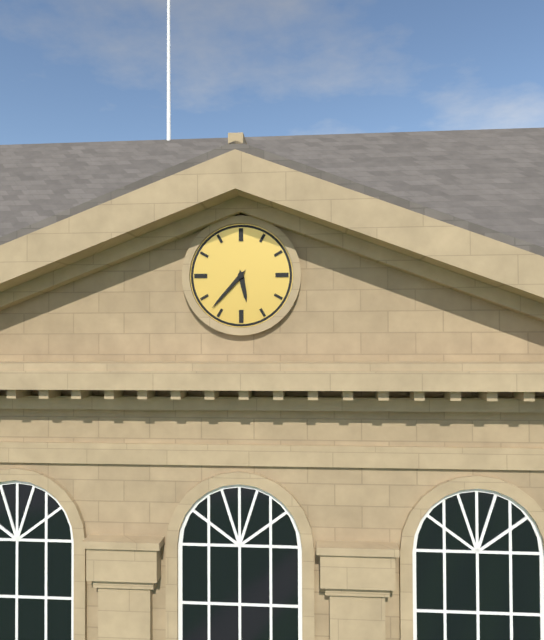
h=5 m=37
